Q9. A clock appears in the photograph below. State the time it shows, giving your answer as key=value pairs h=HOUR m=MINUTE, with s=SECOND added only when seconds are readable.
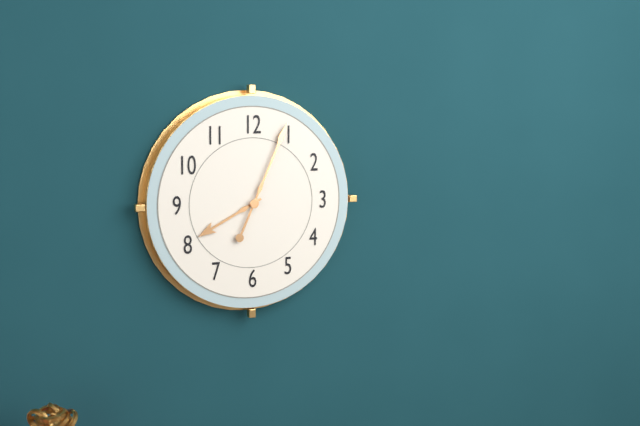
h=8 m=4
